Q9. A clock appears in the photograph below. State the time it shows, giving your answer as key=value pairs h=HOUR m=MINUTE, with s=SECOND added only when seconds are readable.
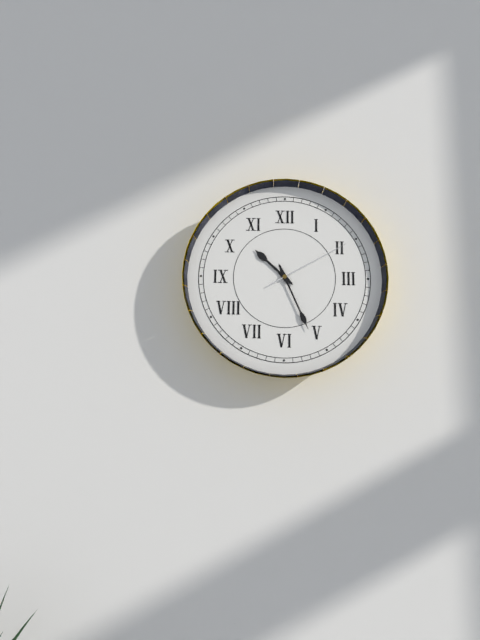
h=10 m=26 s=10
